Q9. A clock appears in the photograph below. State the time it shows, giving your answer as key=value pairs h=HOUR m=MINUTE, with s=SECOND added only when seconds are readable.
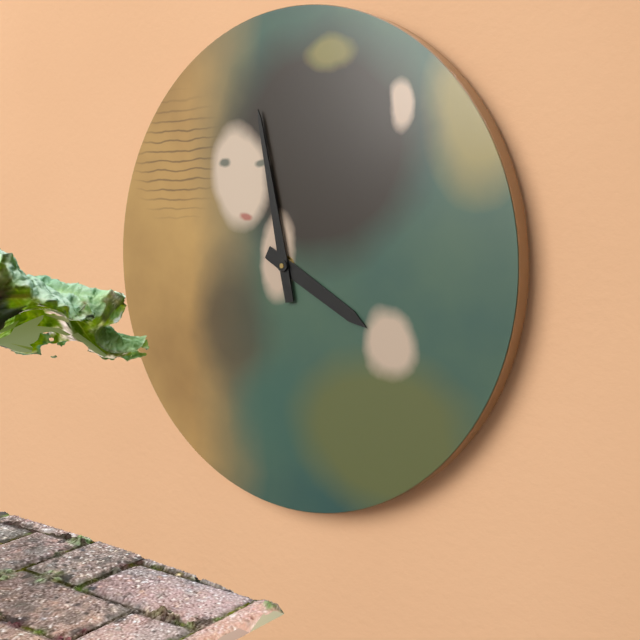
h=3 m=58
